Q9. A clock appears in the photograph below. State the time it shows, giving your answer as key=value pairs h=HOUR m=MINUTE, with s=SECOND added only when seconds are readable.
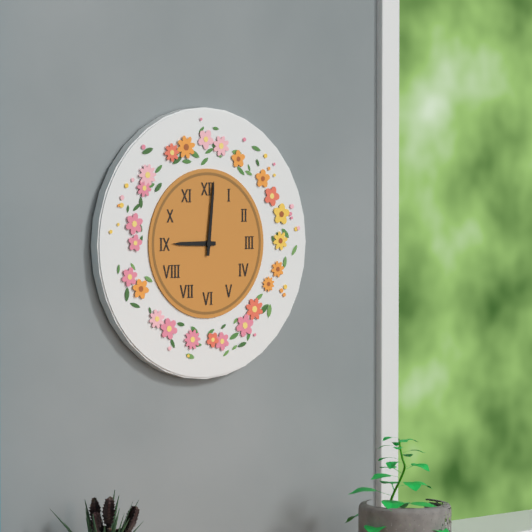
h=9 m=1
